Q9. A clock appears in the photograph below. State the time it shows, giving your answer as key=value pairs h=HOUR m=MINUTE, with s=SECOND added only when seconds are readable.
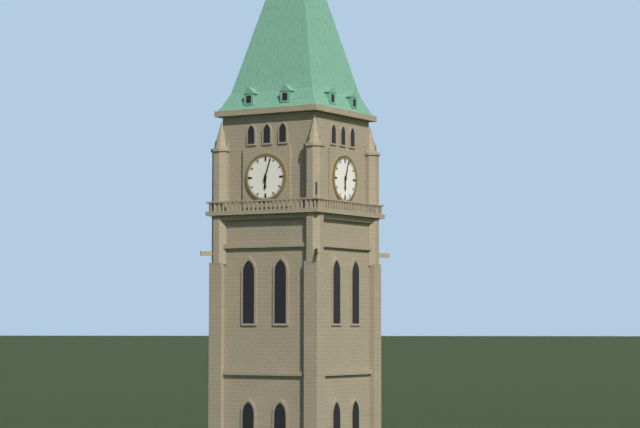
h=6 m=3
